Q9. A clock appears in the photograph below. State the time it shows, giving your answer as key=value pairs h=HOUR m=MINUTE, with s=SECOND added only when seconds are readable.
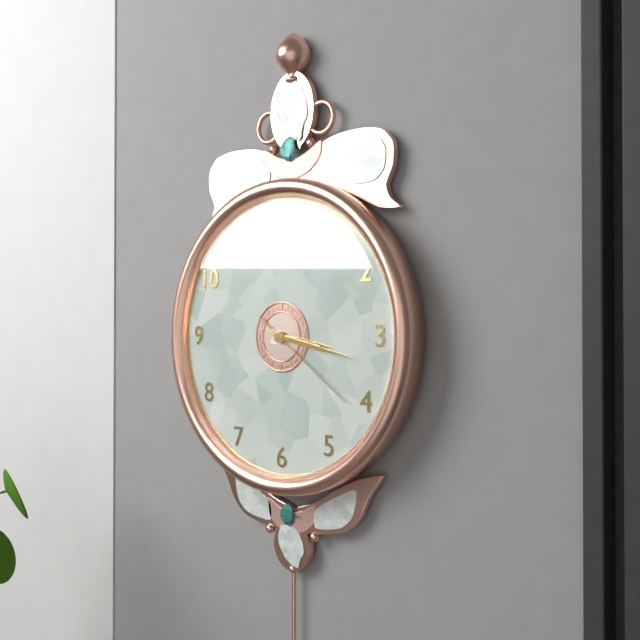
h=3 m=17 s=21
